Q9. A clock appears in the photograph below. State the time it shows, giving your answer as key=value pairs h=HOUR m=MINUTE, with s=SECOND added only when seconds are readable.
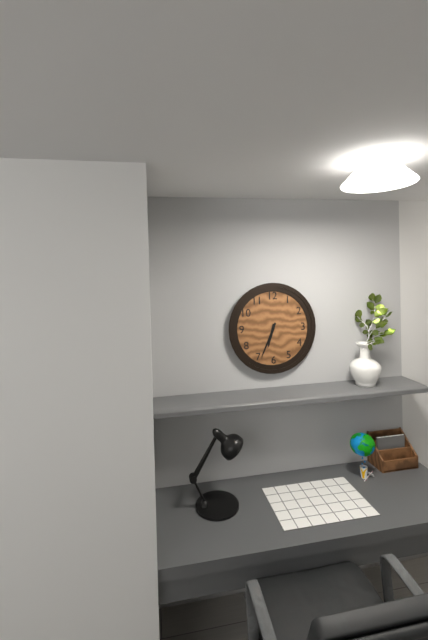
h=6 m=34
